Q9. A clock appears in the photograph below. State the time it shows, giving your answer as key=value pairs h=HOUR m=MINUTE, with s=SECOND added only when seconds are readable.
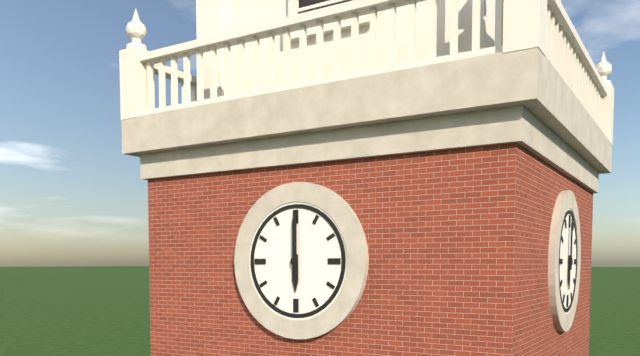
h=6 m=0
